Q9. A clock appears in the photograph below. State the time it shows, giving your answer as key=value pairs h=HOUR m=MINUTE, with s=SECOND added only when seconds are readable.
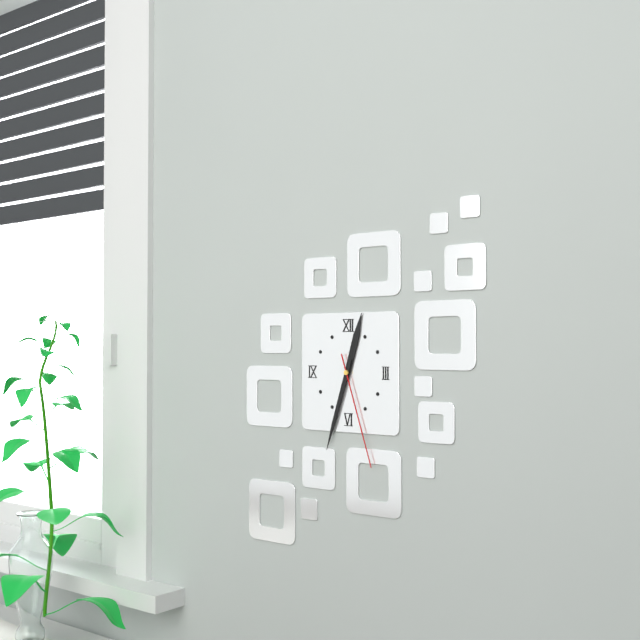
h=12 m=33 s=27
